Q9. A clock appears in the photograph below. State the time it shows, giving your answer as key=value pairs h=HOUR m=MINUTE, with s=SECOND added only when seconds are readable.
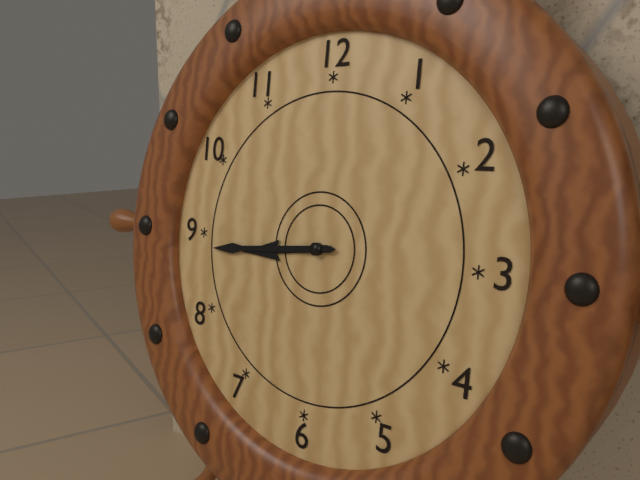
h=8 m=44
